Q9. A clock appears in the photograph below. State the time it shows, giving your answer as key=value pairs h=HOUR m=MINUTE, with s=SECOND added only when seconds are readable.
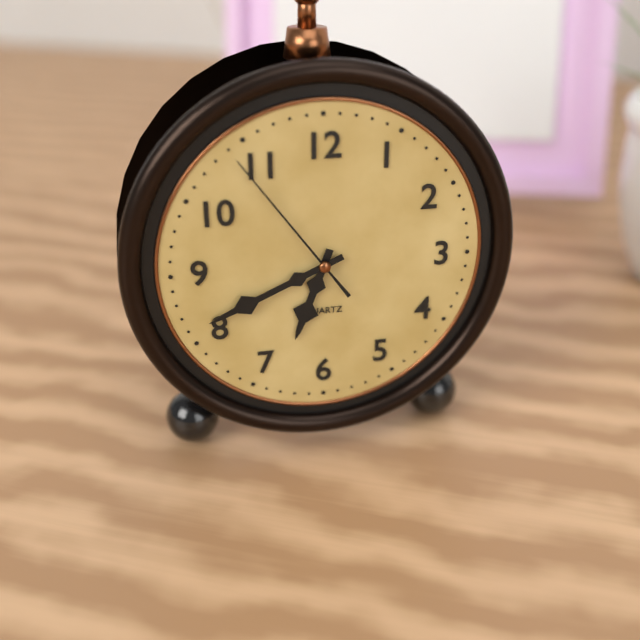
h=6 m=41 s=54
